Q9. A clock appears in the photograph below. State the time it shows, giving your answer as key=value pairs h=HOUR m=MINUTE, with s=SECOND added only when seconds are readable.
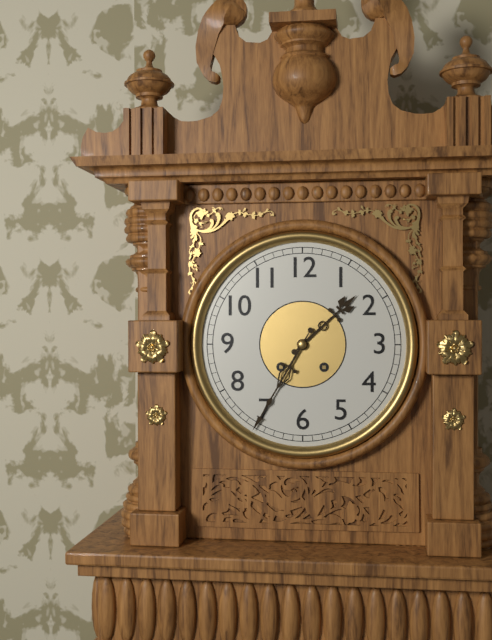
h=1 m=35
